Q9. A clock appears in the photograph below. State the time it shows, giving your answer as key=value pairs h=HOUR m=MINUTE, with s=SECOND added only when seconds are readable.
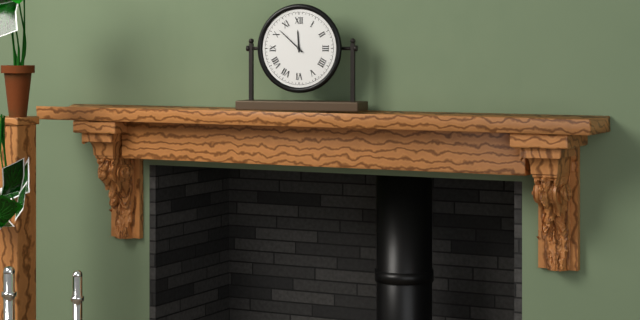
h=11 m=52
